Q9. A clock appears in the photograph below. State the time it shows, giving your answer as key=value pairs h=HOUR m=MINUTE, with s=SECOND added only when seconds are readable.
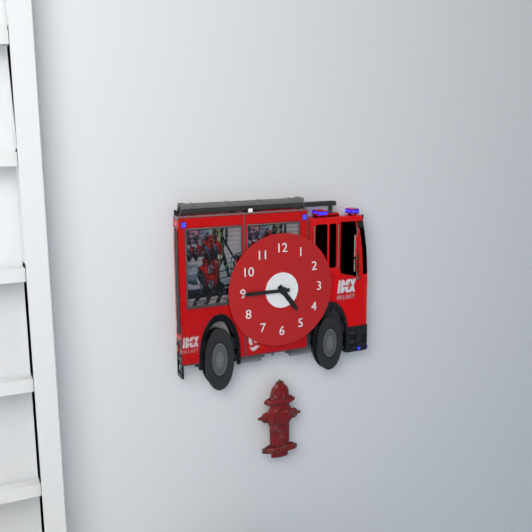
h=4 m=45
